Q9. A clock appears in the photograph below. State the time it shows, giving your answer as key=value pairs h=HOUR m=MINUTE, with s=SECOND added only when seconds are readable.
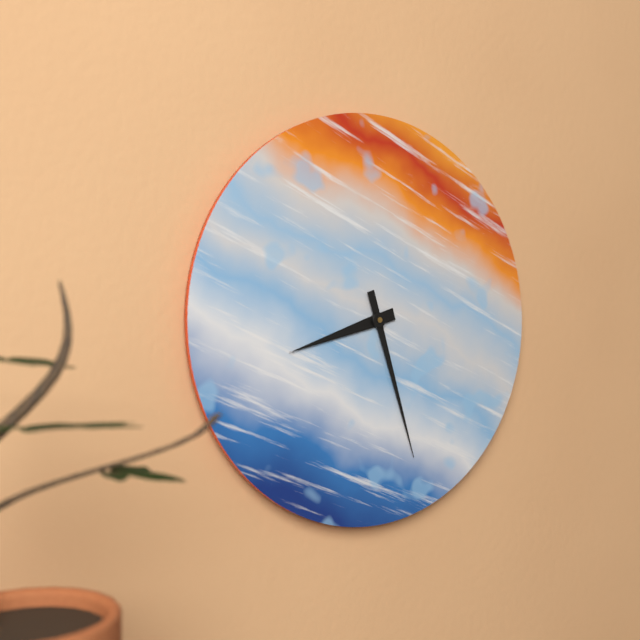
h=8 m=27
